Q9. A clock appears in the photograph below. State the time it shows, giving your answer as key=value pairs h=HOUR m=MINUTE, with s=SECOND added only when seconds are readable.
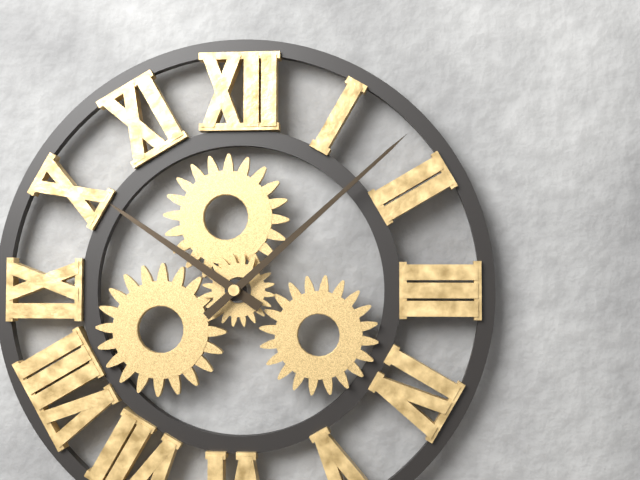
h=10 m=8
